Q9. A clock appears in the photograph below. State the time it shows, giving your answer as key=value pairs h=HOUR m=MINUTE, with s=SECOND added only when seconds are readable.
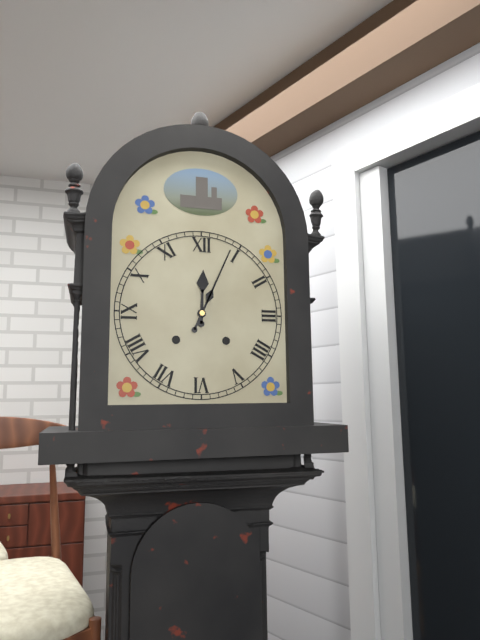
h=12 m=4
